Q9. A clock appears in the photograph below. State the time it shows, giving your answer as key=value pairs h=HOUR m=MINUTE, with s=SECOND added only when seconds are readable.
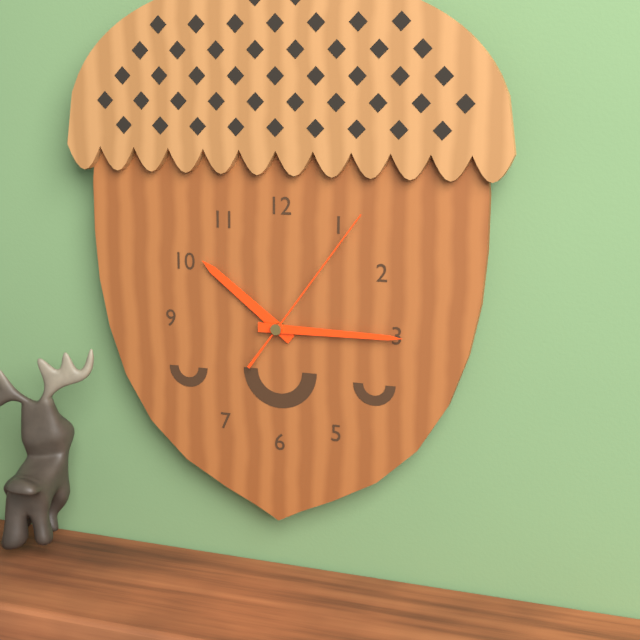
h=10 m=15 s=6
